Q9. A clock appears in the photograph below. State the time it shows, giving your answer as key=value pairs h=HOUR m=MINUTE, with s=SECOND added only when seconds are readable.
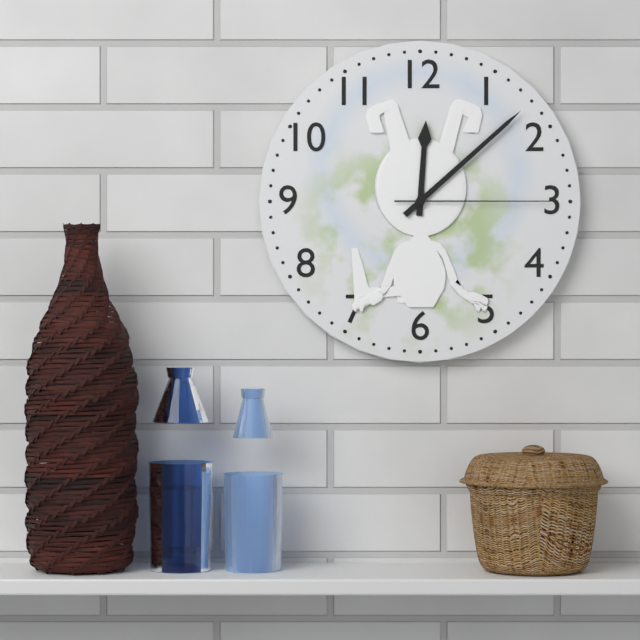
h=12 m=8 s=15
